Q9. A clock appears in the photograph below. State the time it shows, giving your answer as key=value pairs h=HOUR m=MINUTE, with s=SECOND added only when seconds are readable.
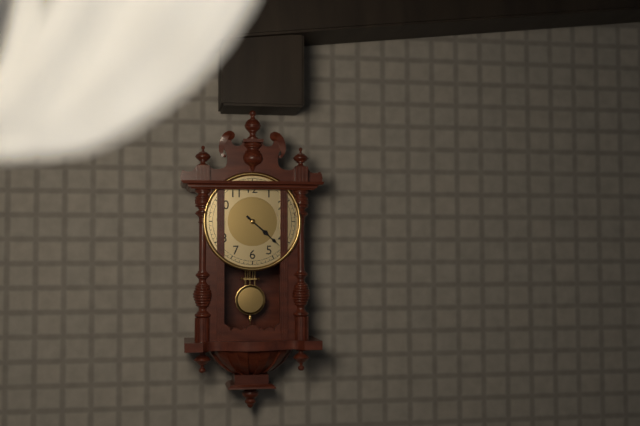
h=4 m=22
